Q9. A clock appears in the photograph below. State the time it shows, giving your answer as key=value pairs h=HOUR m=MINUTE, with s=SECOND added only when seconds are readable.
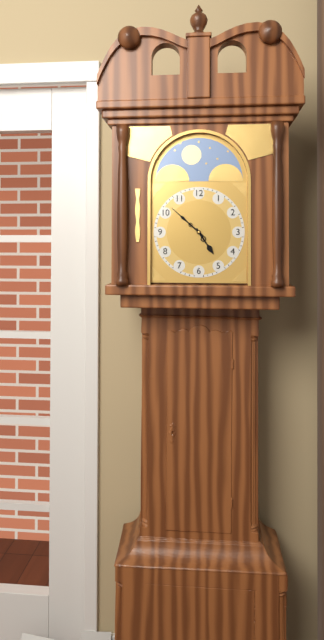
h=4 m=52
